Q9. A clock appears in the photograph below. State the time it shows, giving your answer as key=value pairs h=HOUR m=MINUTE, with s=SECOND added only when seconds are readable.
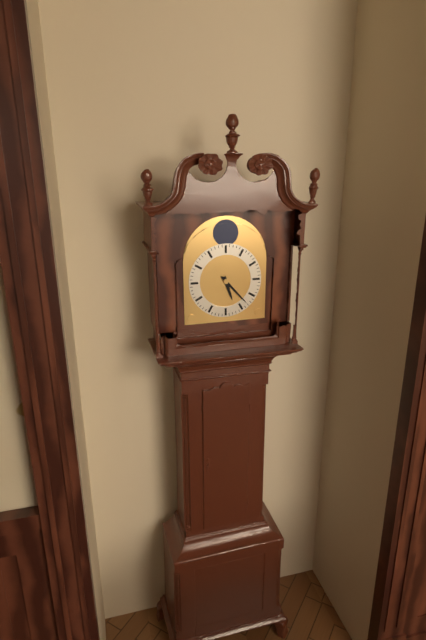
h=5 m=23
